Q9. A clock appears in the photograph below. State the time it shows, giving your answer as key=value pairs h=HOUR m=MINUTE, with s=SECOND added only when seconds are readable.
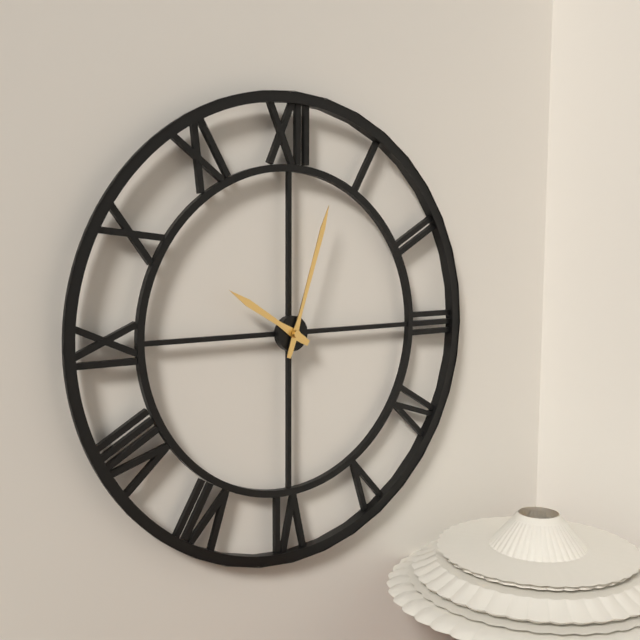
h=10 m=3
